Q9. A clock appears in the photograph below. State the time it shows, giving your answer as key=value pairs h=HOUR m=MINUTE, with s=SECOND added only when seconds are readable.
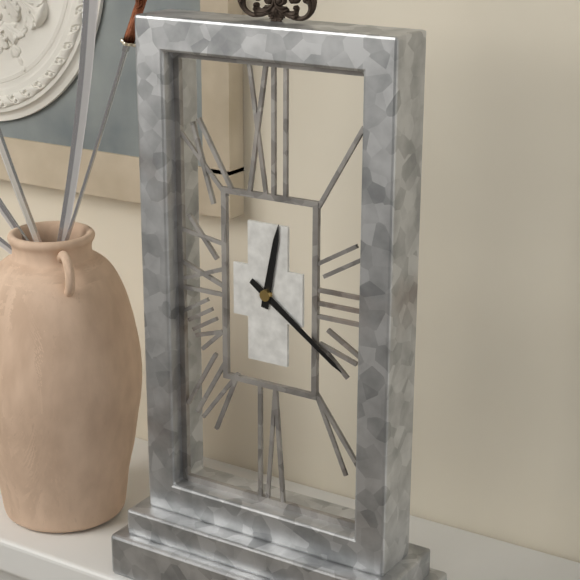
h=12 m=21
